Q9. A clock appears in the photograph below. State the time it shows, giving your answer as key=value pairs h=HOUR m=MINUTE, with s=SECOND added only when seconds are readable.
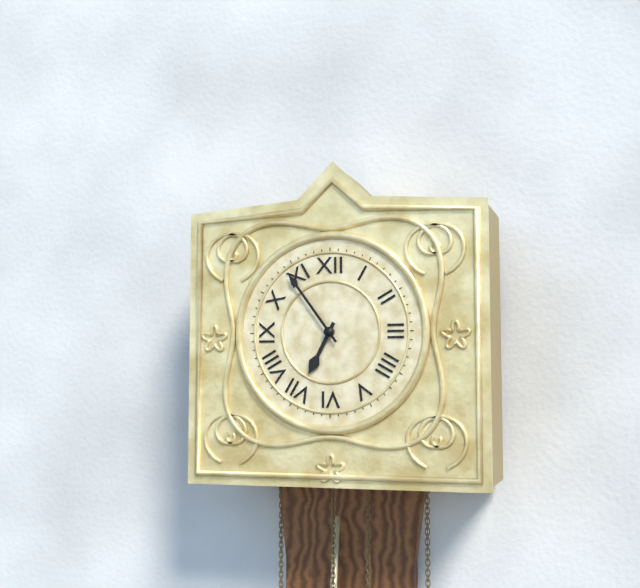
h=6 m=54
